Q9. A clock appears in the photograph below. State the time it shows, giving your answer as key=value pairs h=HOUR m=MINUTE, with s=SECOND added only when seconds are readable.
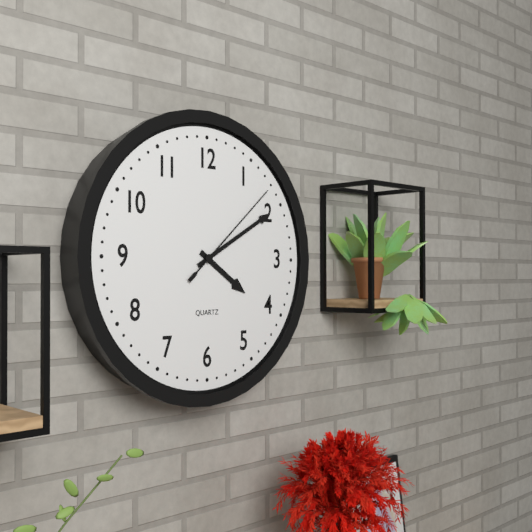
h=4 m=10 s=8
